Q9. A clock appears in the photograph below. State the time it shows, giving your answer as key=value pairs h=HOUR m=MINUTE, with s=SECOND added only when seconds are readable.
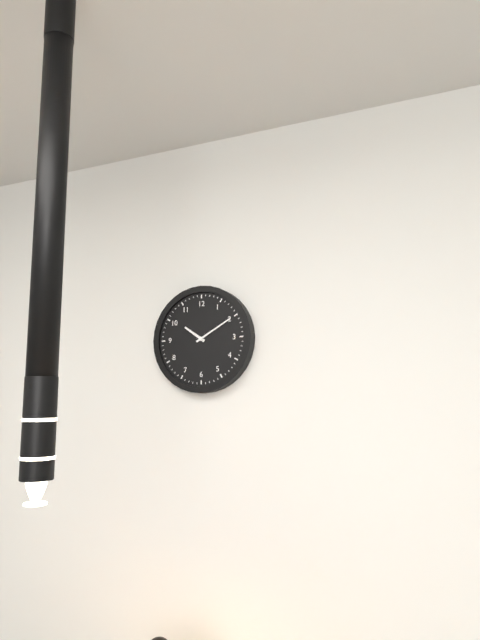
h=10 m=10
